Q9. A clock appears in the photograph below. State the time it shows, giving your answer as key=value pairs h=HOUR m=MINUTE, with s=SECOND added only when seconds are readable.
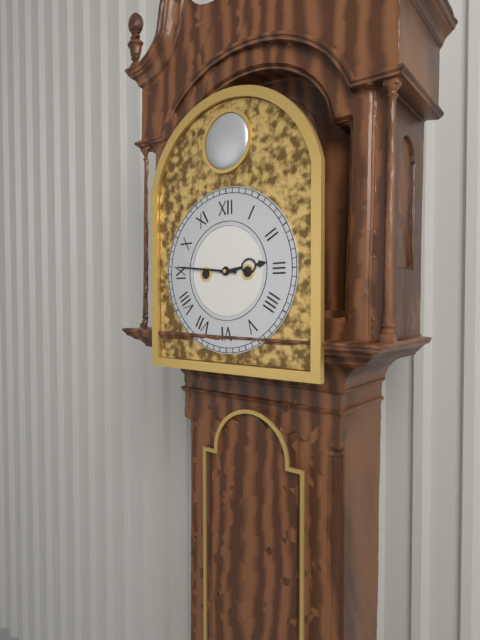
h=2 m=46
